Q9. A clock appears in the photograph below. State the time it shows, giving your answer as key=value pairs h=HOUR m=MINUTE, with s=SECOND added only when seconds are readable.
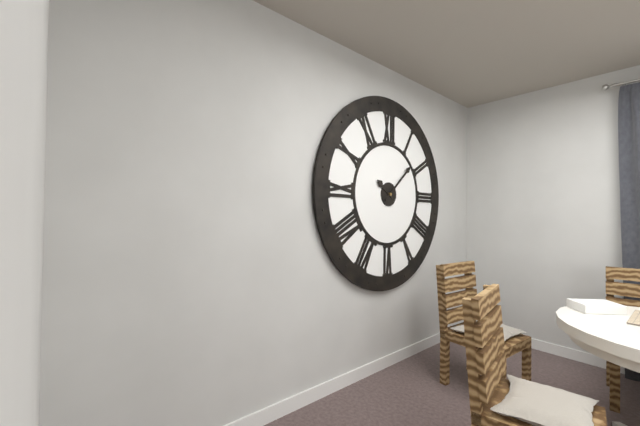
h=10 m=8
